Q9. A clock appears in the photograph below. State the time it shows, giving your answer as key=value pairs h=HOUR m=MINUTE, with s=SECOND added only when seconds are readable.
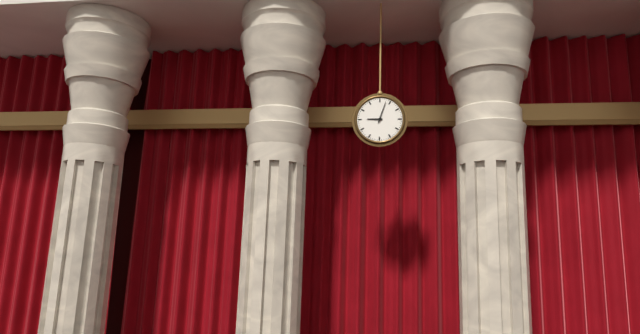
h=9 m=3
